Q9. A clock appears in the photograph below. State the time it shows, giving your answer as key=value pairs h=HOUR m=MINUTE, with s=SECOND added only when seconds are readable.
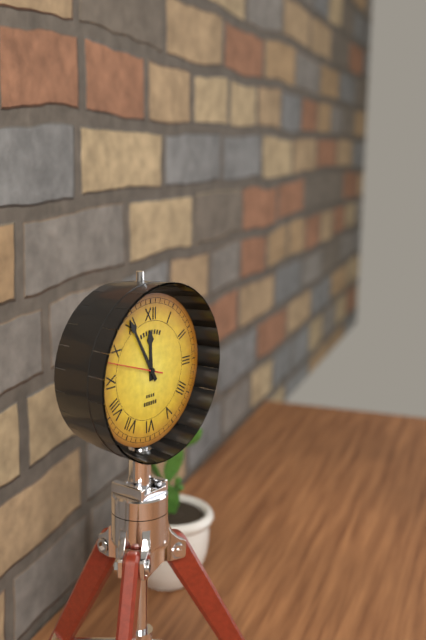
h=11 m=55 s=48
